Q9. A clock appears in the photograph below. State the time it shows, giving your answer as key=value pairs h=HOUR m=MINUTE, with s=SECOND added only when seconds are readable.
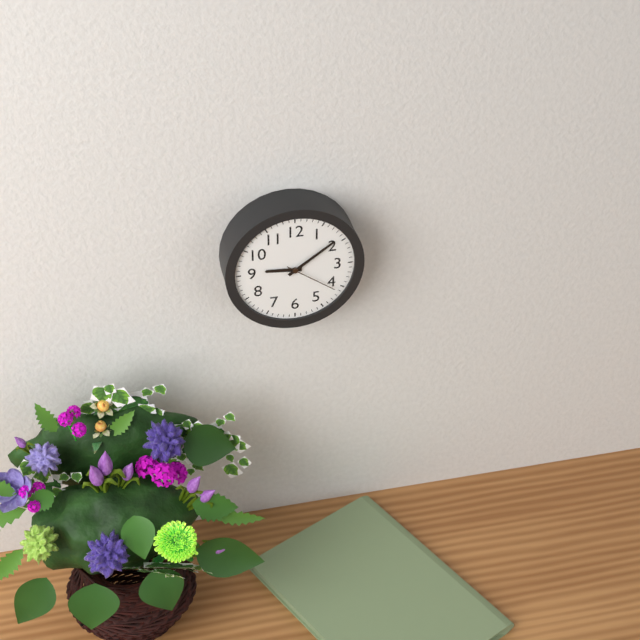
h=9 m=9 s=21
